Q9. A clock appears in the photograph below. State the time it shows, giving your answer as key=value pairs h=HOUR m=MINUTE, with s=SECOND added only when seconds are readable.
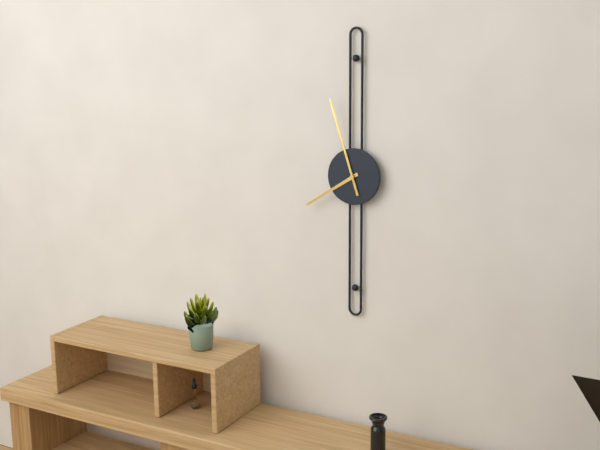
h=7 m=57
